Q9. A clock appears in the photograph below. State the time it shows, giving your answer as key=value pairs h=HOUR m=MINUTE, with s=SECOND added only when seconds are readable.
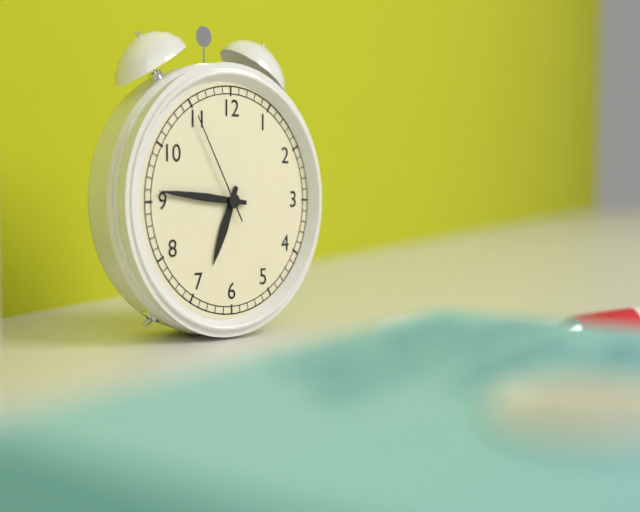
h=6 m=46 s=55
